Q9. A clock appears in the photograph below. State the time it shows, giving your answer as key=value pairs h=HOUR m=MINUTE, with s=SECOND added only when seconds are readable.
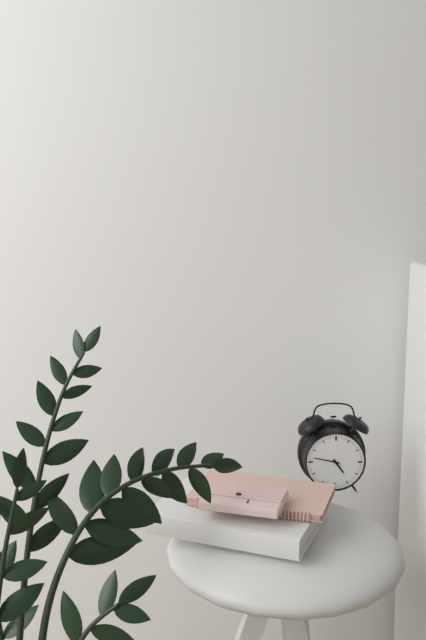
h=4 m=47
